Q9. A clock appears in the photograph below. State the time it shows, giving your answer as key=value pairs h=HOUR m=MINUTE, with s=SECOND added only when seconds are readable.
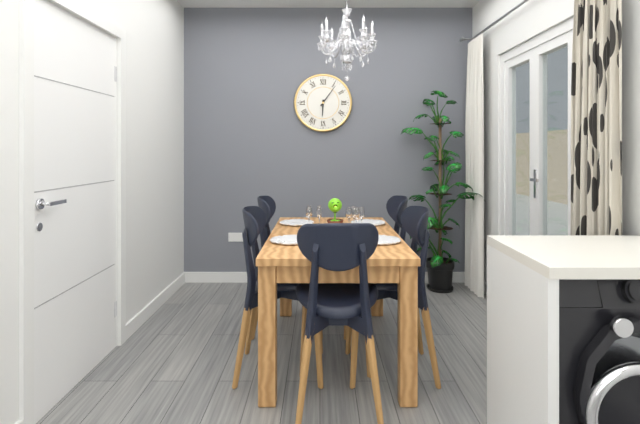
h=6 m=6
